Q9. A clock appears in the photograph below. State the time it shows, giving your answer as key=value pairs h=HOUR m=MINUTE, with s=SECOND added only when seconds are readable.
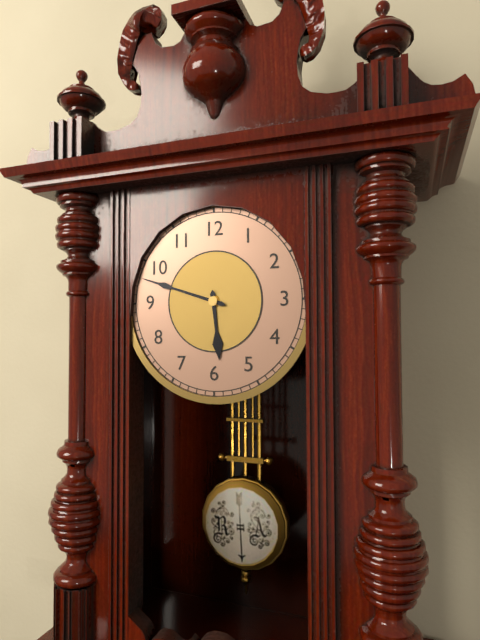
h=5 m=48
